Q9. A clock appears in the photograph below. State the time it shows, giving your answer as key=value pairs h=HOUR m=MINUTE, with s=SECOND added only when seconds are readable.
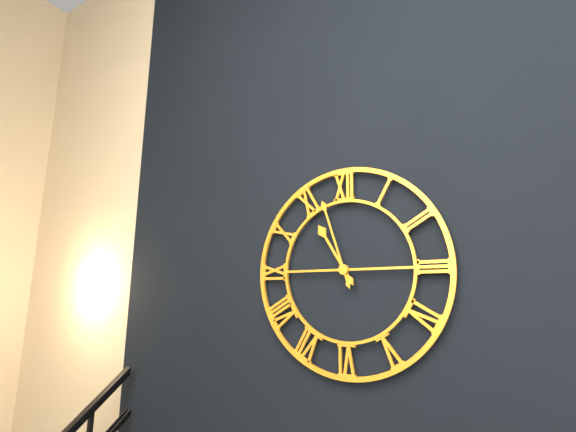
h=10 m=57
